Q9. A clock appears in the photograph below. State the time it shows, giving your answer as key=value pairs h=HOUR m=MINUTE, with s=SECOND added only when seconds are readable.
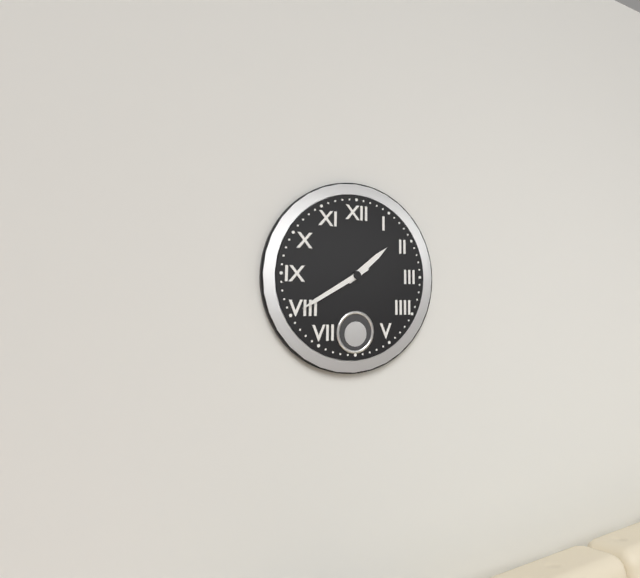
h=1 m=40
